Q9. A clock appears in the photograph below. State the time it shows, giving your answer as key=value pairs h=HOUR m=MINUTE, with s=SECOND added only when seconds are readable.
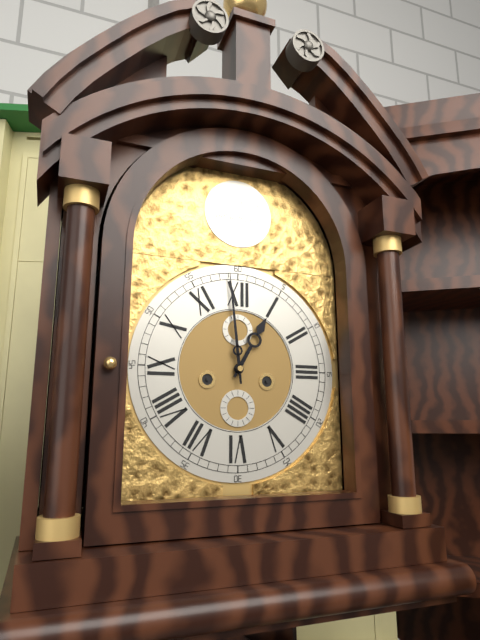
h=12 m=59
